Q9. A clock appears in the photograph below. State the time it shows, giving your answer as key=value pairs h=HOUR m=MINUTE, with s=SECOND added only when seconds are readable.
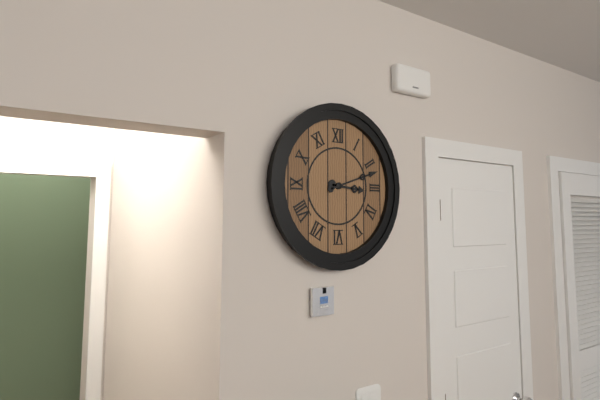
h=3 m=12
